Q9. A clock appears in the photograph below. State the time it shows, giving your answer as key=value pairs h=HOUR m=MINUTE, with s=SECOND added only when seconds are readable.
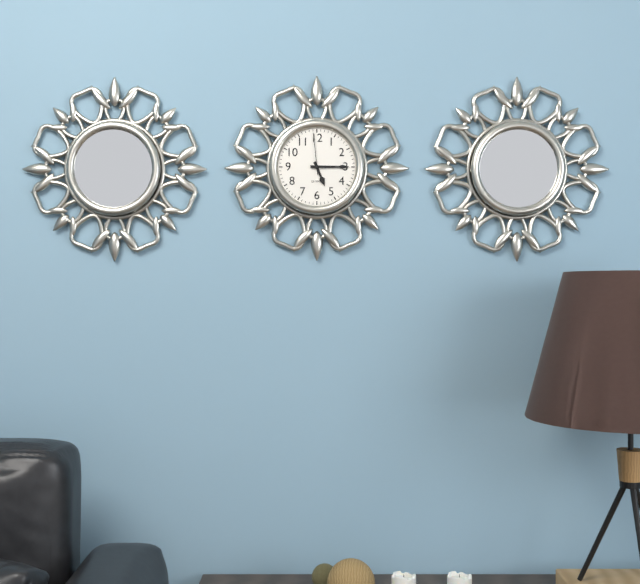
h=5 m=15
